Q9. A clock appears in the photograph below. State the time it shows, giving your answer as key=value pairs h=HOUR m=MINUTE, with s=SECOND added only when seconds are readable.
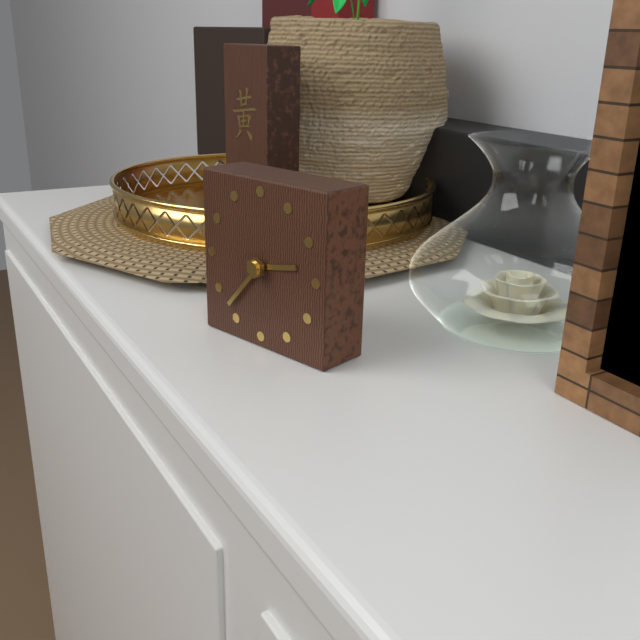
h=2 m=37
